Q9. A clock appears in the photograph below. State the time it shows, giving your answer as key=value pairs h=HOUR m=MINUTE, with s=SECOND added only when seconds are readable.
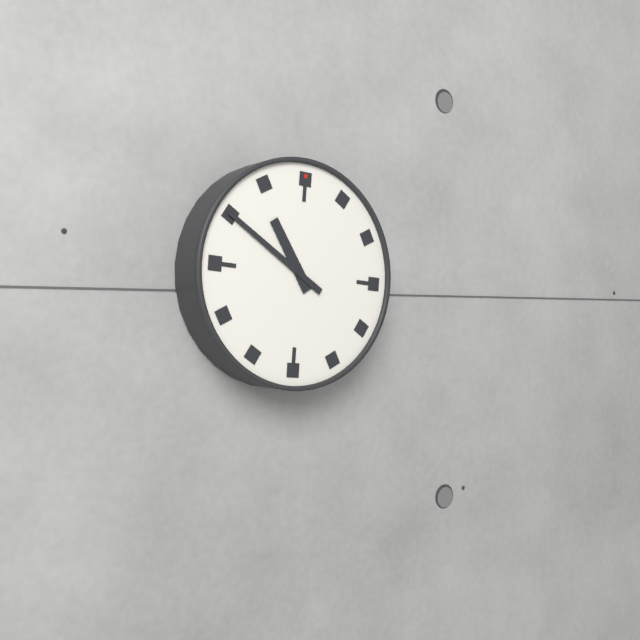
h=10 m=50
